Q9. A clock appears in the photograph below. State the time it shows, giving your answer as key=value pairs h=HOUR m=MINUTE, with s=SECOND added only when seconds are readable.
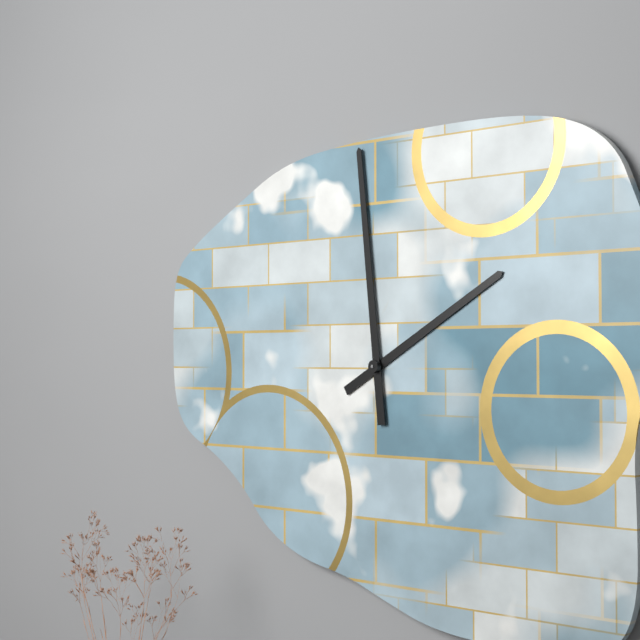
h=1 m=59
